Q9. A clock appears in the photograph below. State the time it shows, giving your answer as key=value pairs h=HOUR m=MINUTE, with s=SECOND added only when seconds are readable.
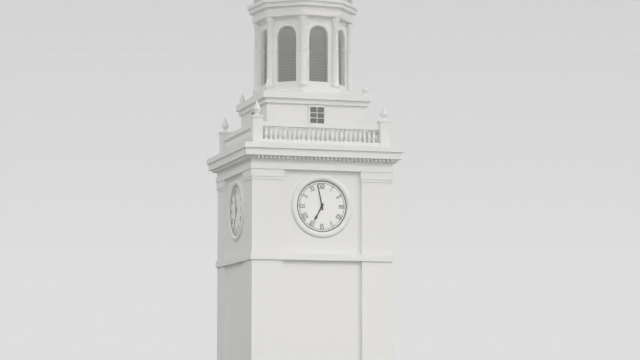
h=6 m=58
